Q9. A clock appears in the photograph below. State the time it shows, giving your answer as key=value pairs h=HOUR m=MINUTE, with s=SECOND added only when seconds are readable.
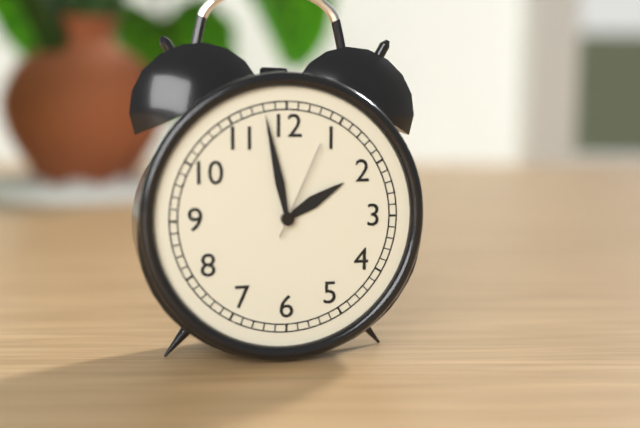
h=1 m=58 s=4
